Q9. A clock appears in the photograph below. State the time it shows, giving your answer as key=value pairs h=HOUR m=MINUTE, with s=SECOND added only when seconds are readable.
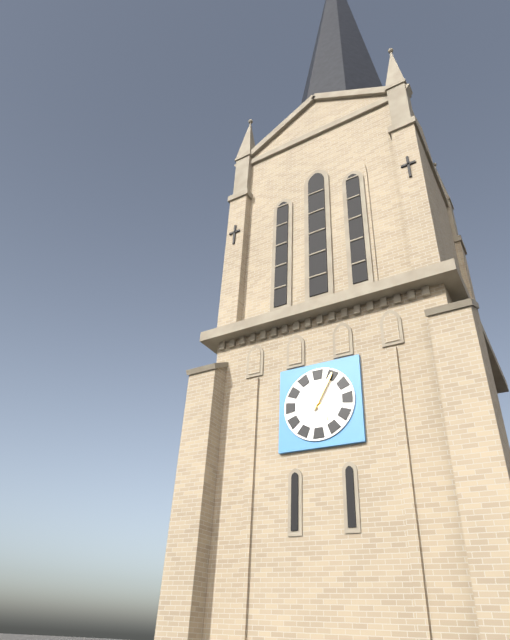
h=5 m=5
